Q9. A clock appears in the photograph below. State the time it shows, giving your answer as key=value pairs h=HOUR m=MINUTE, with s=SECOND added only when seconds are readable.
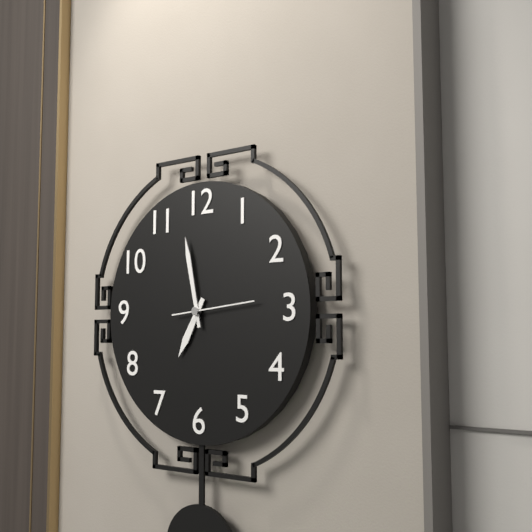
h=6 m=58 s=14
